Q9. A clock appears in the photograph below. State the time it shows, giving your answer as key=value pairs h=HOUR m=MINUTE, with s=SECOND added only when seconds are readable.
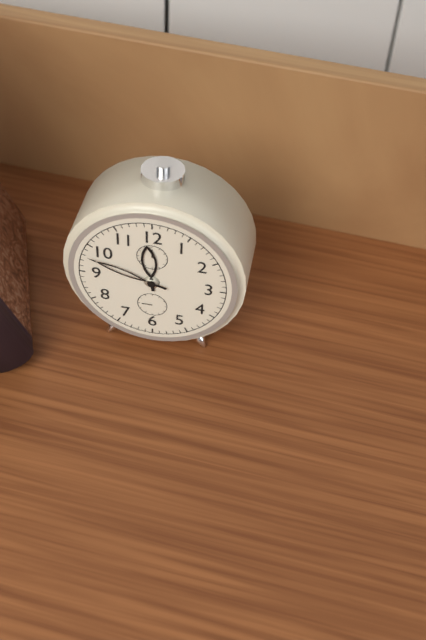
h=11 m=48
